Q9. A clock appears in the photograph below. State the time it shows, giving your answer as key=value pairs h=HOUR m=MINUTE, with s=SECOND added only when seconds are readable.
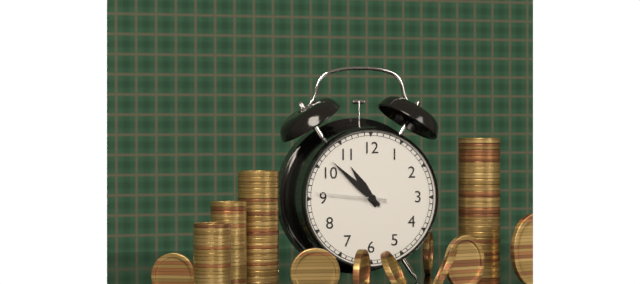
h=10 m=52 s=46
